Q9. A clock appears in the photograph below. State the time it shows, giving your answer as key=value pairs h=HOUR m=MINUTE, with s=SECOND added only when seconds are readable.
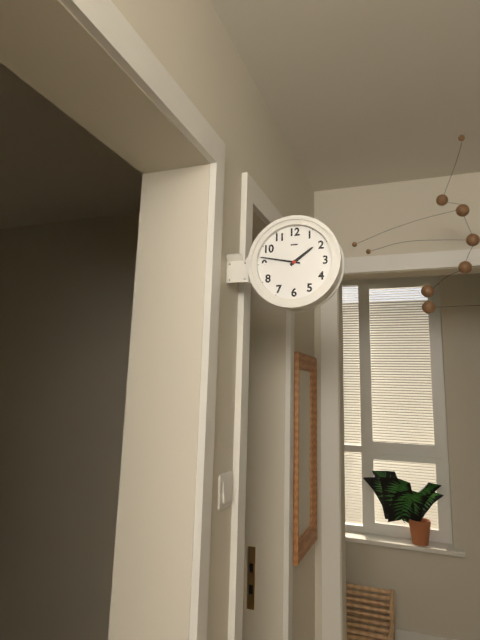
h=1 m=47
